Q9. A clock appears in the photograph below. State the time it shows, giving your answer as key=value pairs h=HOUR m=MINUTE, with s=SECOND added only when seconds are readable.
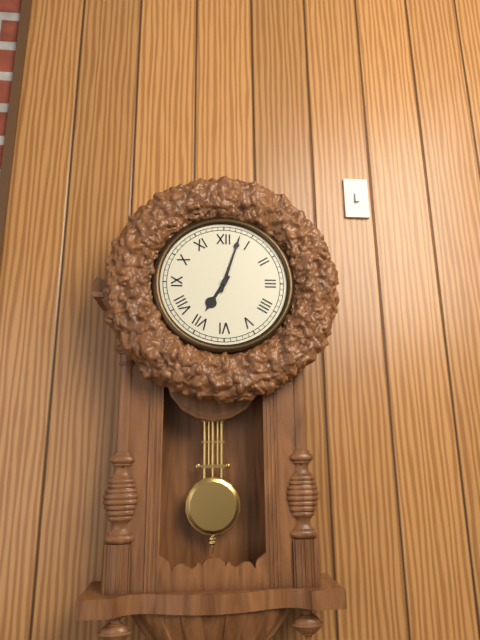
h=7 m=3
